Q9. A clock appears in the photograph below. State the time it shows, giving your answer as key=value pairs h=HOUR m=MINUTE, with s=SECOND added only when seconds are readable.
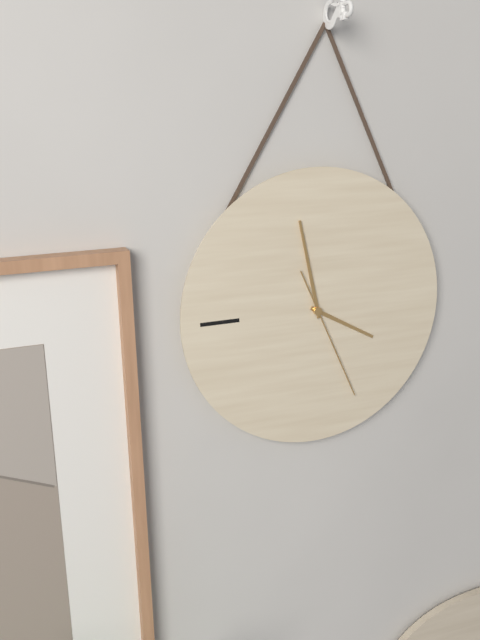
h=3 m=58 s=26
